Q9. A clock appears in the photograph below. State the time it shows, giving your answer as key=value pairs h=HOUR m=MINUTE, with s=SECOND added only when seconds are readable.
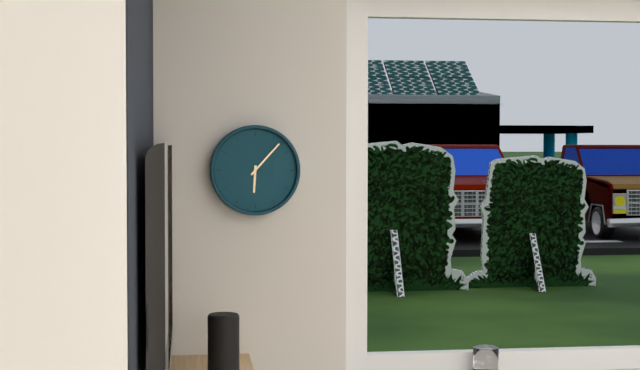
h=6 m=7
